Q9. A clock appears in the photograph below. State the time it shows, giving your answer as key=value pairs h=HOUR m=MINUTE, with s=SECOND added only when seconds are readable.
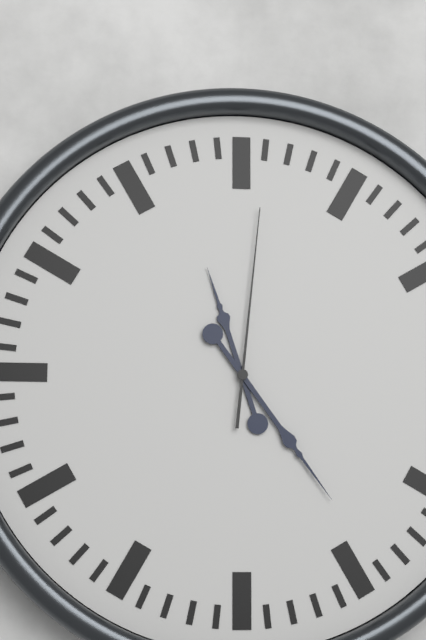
h=11 m=24 s=1
